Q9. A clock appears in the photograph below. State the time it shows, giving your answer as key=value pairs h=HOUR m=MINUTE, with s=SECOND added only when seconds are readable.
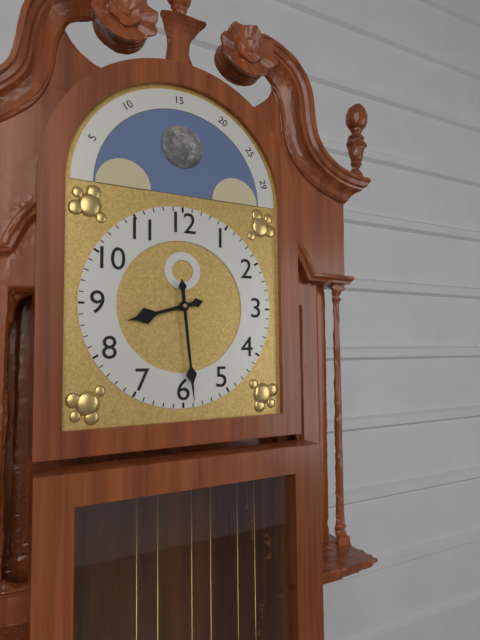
h=8 m=29
